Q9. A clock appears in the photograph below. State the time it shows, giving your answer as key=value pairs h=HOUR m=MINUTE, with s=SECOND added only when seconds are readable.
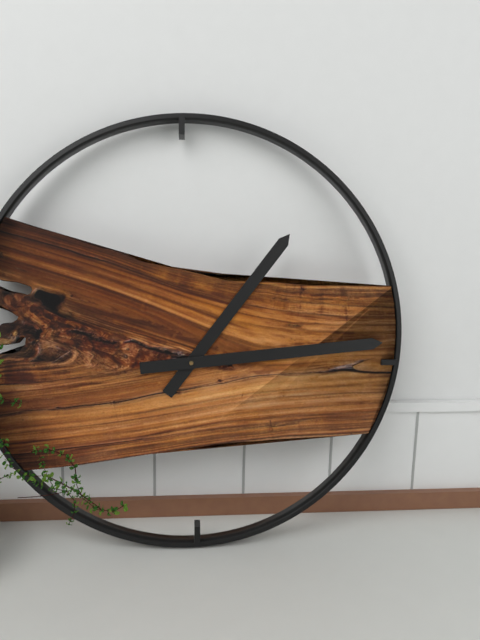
h=1 m=14
